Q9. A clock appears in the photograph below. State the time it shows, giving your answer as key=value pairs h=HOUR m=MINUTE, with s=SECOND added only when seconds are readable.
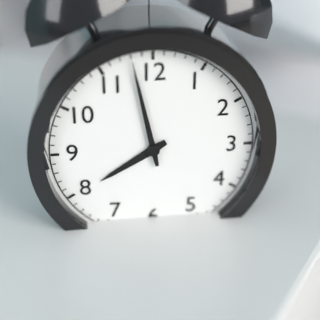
h=7 m=58
